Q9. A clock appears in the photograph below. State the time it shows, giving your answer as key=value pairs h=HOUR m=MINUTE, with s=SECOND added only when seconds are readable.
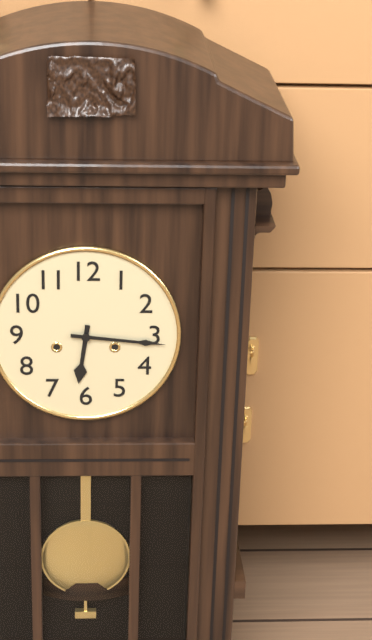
h=6 m=16
